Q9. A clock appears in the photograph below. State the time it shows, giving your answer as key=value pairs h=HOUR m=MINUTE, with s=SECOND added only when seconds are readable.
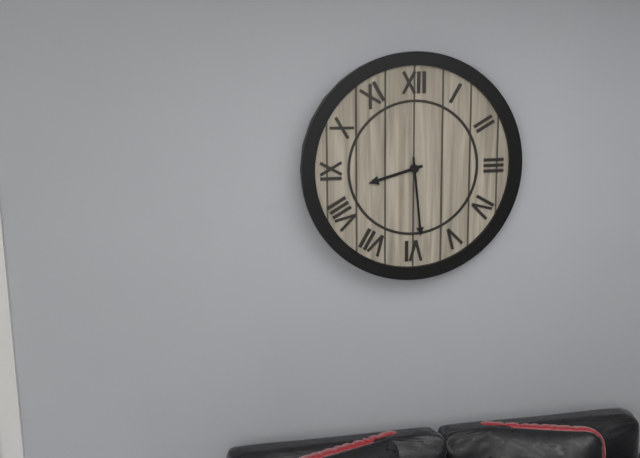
h=8 m=29
